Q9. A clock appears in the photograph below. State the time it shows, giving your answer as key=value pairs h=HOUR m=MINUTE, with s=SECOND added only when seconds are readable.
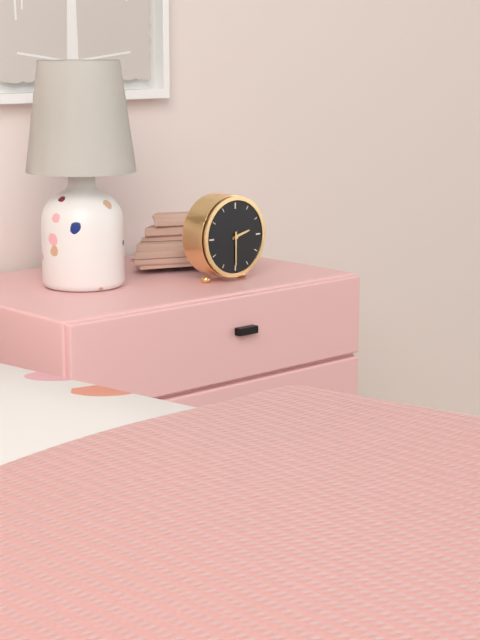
h=2 m=30
